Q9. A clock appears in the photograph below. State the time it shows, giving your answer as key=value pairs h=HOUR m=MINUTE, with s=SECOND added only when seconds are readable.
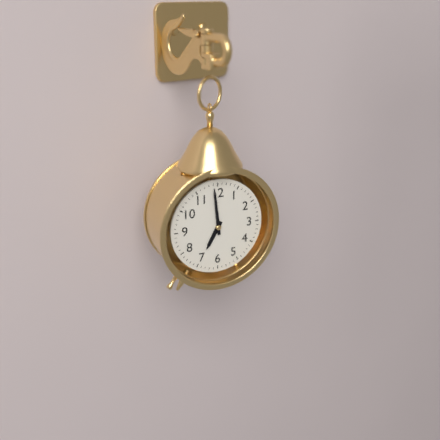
h=6 m=59
